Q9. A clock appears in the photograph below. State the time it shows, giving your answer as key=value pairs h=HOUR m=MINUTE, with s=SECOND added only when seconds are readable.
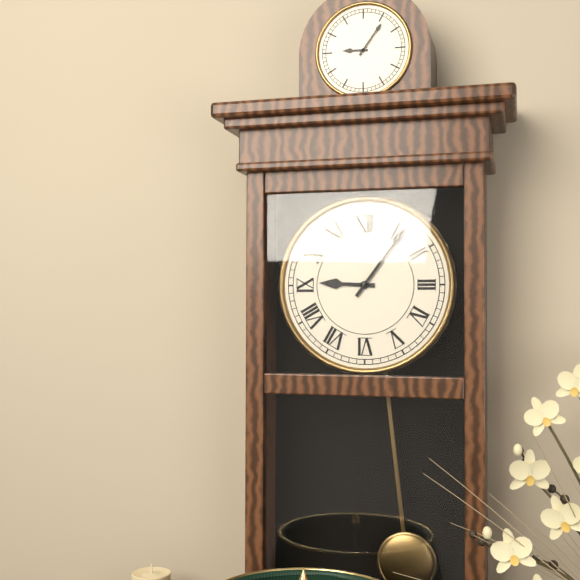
h=9 m=6
